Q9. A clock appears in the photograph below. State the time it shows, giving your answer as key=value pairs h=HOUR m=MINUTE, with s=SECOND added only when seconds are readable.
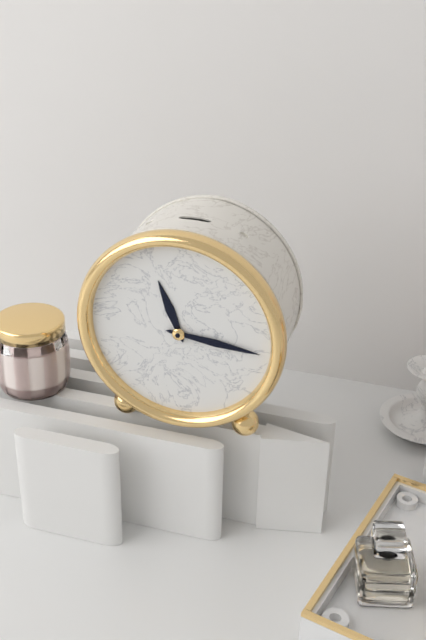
h=11 m=16
